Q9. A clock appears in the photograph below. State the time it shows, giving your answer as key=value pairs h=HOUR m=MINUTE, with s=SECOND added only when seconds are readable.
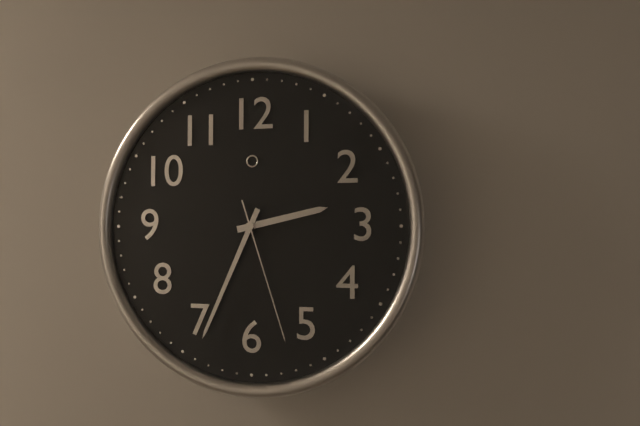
h=2 m=34 s=27
